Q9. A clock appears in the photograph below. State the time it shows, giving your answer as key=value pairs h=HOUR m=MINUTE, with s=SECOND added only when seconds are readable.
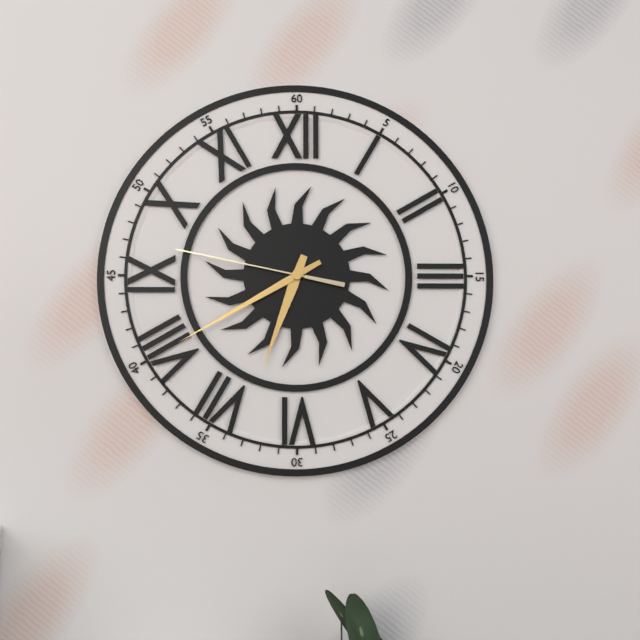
h=6 m=40 s=47
